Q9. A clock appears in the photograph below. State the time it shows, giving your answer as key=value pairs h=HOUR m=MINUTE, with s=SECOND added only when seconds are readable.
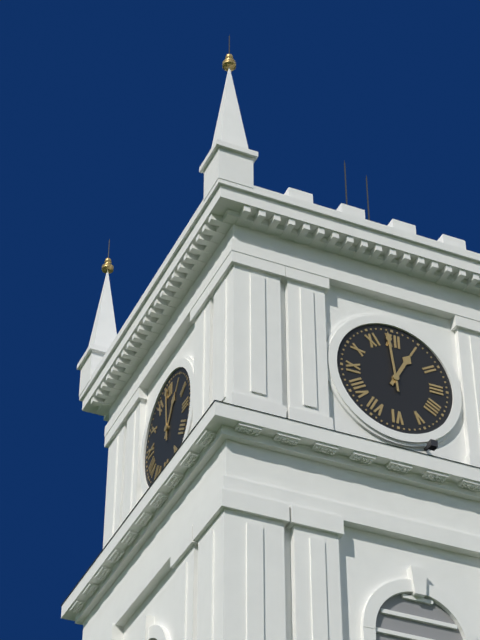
h=12 m=59
